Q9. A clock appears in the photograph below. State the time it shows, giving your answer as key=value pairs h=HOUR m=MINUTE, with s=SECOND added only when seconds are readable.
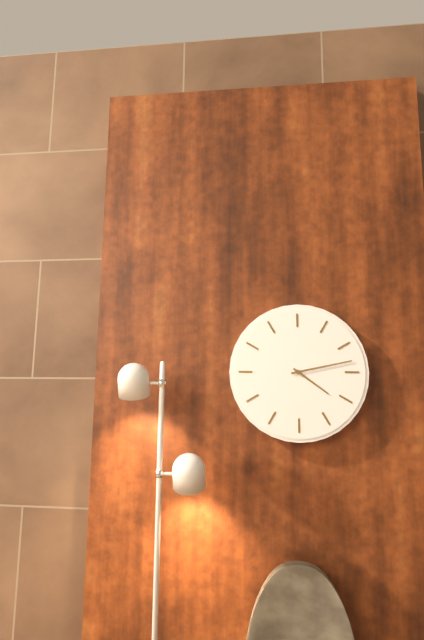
h=4 m=13
